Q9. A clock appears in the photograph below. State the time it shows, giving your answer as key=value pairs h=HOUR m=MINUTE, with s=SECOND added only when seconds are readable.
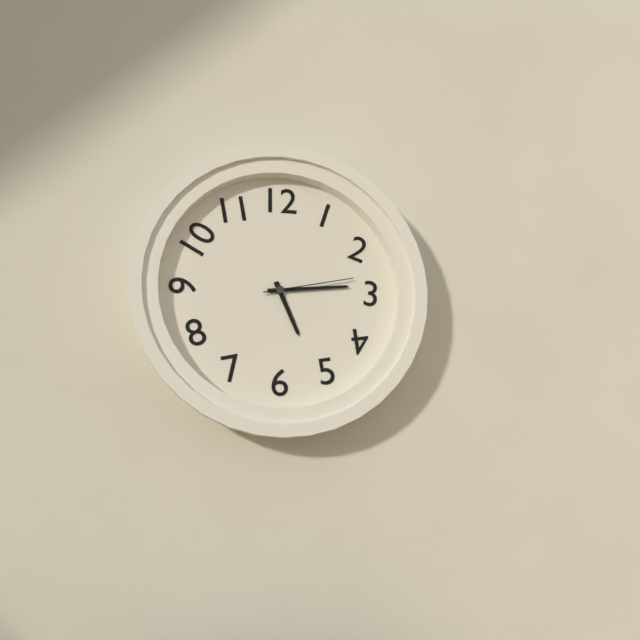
h=5 m=14 s=13
